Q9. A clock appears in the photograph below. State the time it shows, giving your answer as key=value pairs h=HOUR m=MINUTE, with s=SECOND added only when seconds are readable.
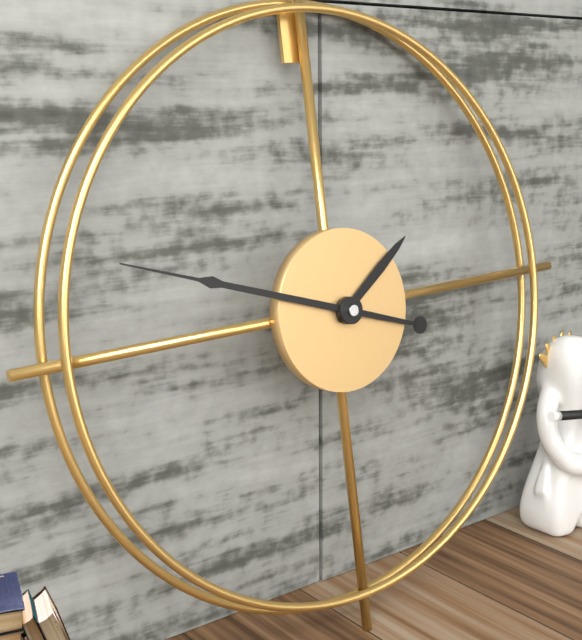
h=1 m=48
